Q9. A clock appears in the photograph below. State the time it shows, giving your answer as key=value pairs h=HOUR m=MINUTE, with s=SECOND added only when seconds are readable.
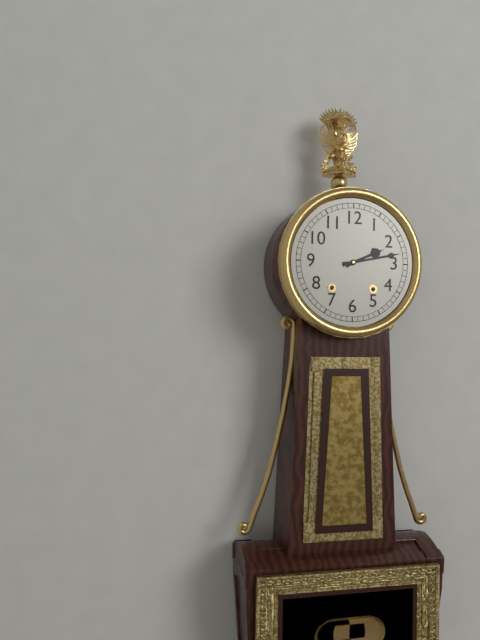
h=2 m=13
